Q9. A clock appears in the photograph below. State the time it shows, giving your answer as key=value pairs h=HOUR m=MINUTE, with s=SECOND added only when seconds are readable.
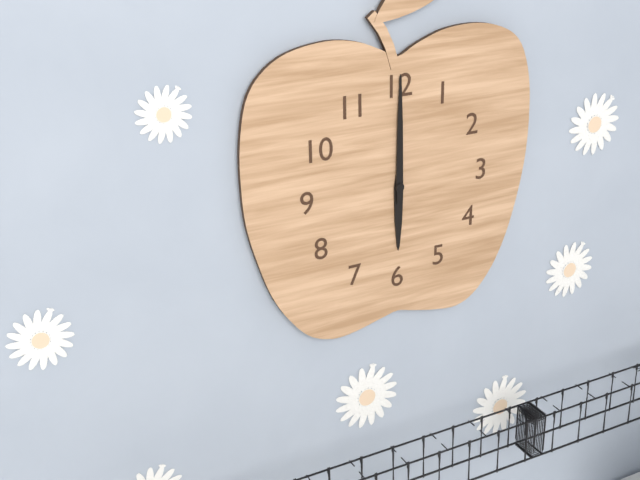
h=6 m=0
